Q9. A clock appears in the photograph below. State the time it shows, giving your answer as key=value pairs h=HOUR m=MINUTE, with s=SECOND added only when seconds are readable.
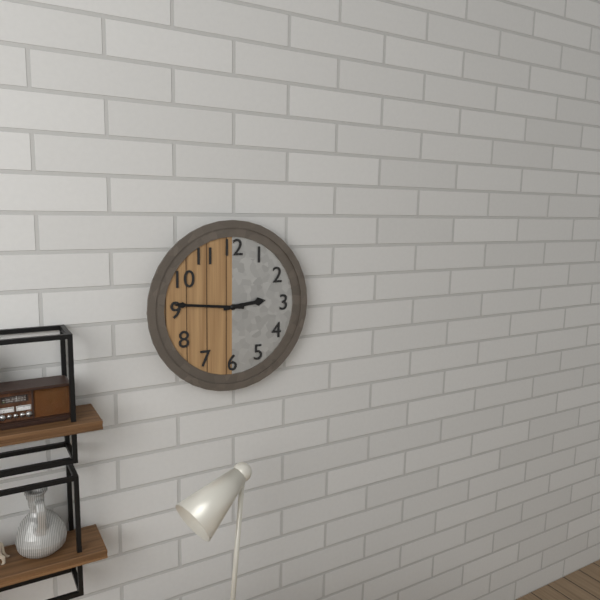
h=2 m=46
